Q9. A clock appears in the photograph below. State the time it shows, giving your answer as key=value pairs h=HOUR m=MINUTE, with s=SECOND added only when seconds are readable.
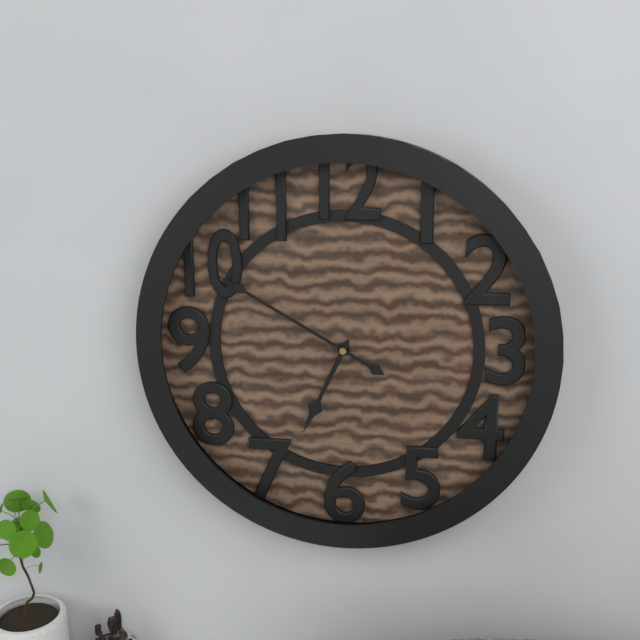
h=6 m=50
